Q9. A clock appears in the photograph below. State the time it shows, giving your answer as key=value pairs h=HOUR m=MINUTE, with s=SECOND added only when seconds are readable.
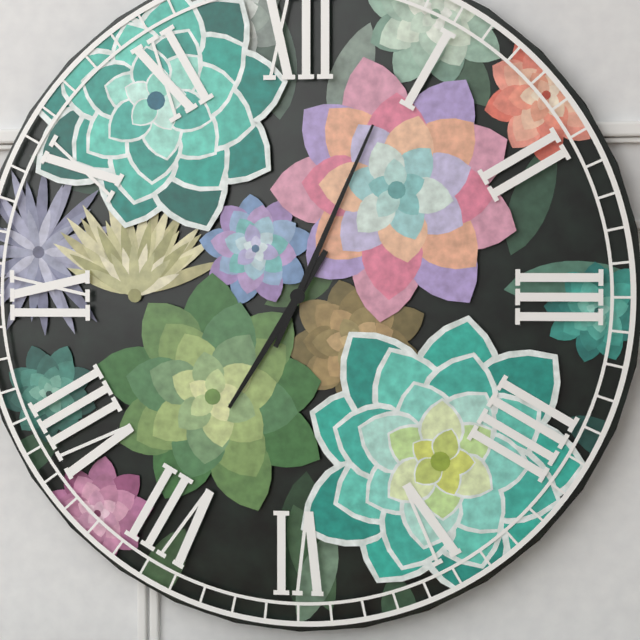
h=7 m=4
